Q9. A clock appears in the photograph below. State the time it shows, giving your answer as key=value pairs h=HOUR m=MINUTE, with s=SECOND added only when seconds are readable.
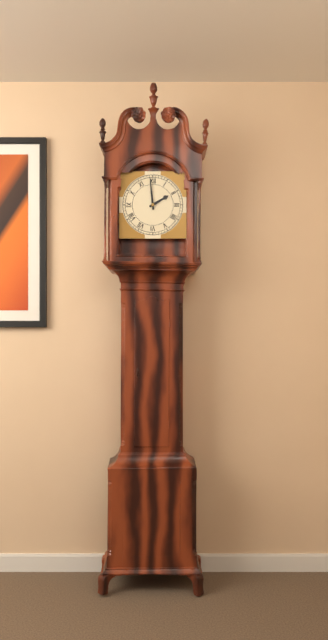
h=1 m=59
